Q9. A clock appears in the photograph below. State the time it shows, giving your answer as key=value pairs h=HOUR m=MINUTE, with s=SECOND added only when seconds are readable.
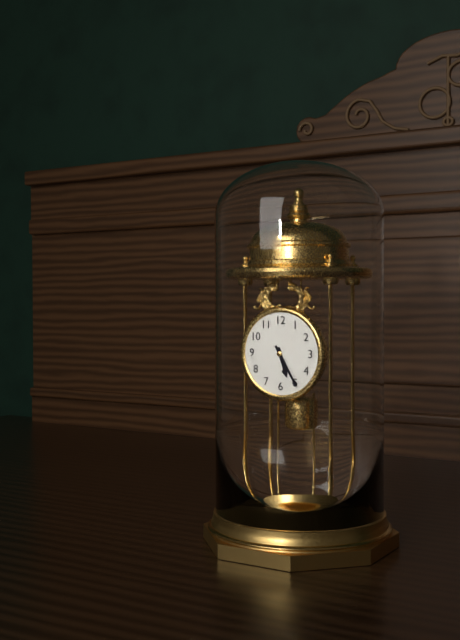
h=5 m=25
